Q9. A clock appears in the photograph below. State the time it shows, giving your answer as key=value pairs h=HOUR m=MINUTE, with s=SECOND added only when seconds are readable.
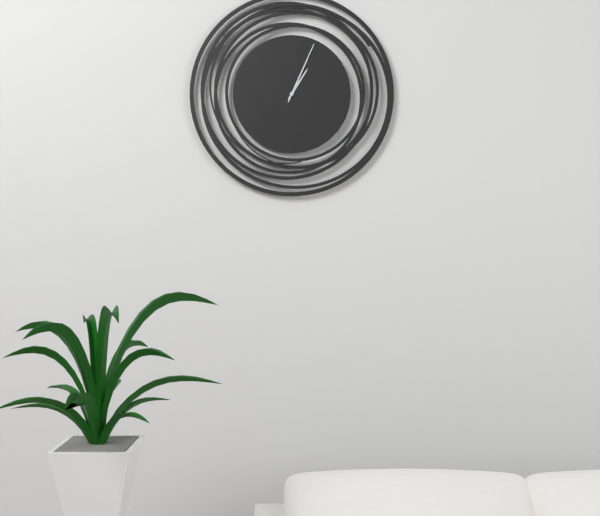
h=1 m=4
